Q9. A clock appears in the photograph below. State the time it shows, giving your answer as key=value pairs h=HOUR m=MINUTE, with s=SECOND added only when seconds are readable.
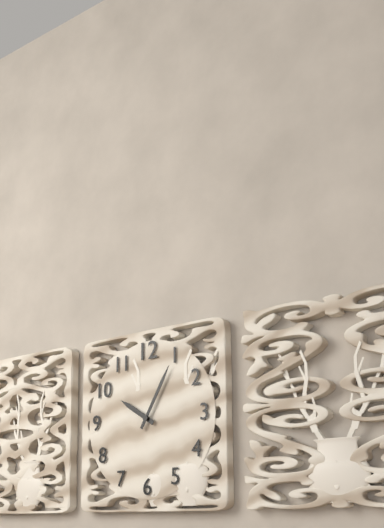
h=10 m=5
